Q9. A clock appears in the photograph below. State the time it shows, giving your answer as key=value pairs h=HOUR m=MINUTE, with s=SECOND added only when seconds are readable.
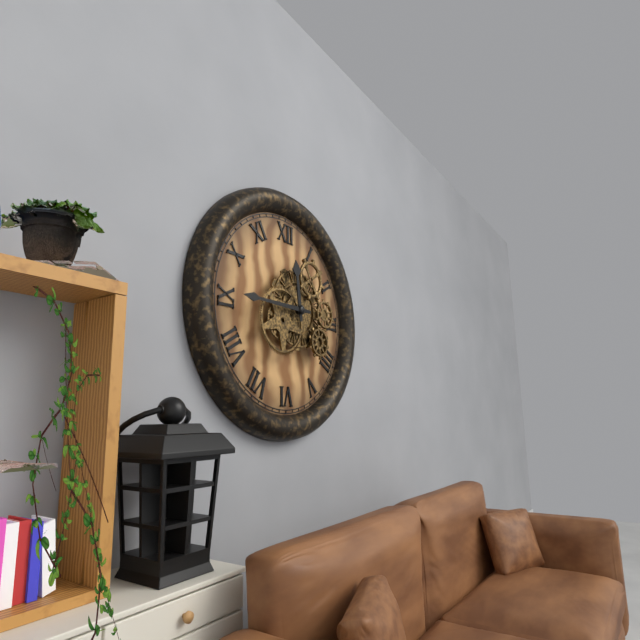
h=11 m=45
